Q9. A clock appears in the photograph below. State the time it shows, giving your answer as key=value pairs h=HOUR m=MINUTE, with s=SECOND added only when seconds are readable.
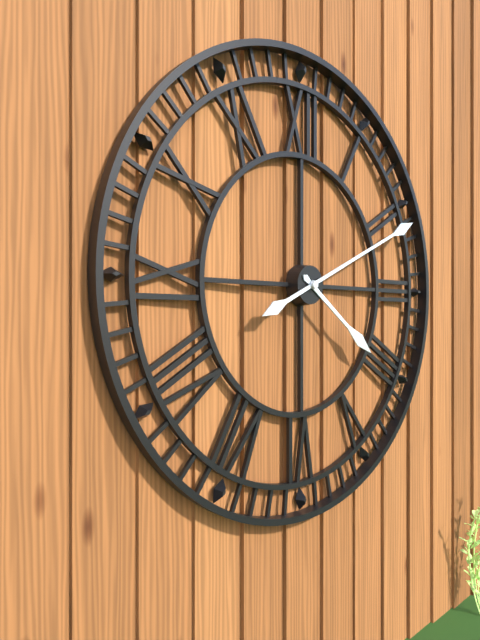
h=4 m=11
